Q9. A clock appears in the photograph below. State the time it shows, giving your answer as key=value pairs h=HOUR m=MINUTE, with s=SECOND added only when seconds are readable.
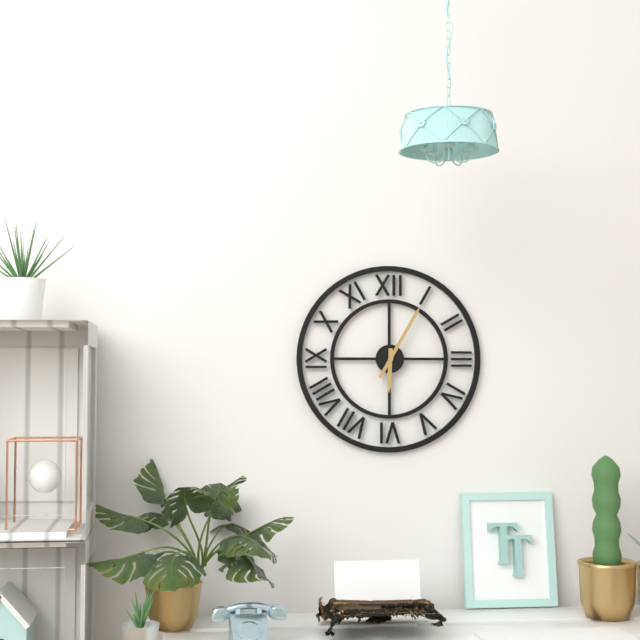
h=6 m=5
